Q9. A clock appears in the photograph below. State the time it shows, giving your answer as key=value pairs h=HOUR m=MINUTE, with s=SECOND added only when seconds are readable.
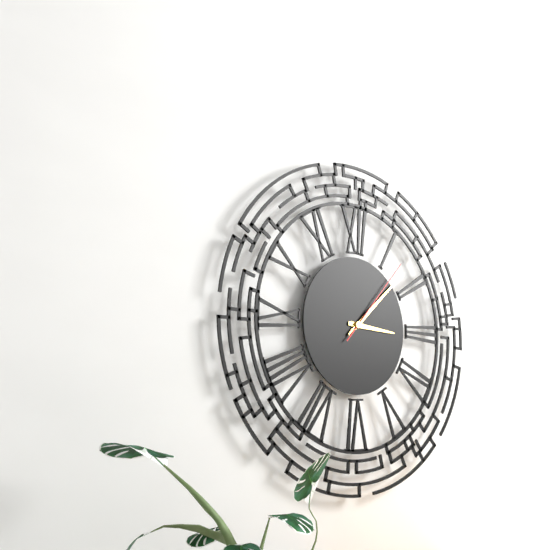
h=3 m=8 s=7
